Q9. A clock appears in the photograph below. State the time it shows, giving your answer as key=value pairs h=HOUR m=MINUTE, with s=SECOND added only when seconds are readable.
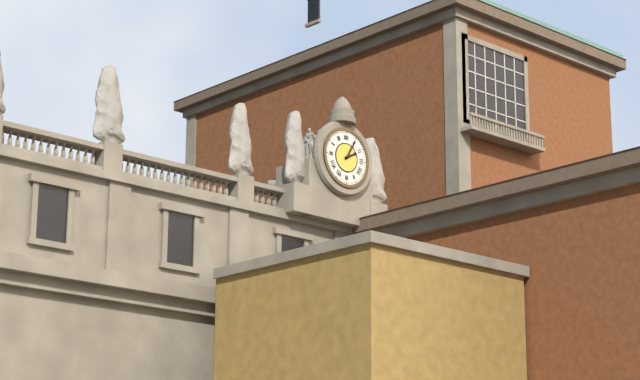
h=2 m=5
